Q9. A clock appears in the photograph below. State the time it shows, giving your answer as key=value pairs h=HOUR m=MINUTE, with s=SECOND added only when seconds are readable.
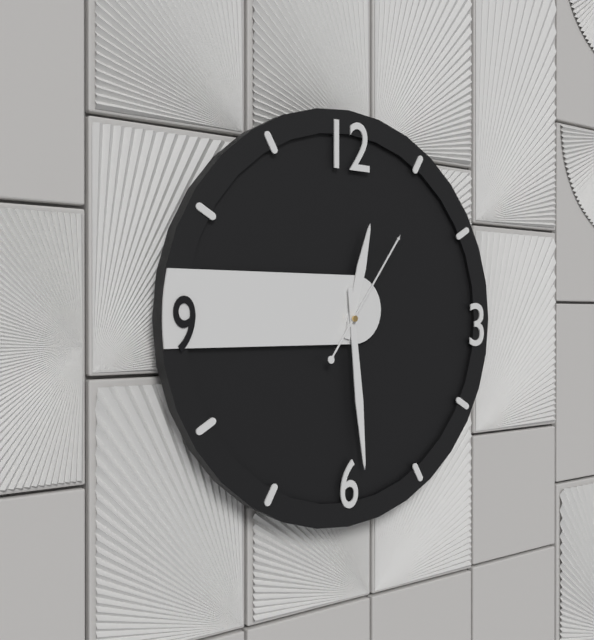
h=12 m=29 s=6
